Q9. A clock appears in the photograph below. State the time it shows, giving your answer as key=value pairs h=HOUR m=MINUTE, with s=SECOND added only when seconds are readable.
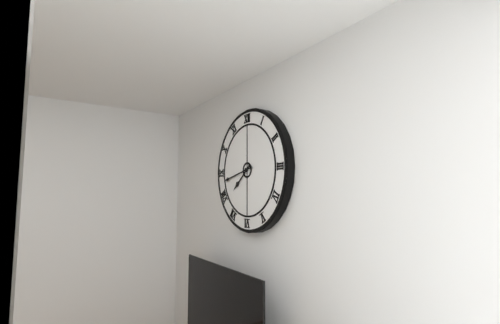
h=7 m=43
